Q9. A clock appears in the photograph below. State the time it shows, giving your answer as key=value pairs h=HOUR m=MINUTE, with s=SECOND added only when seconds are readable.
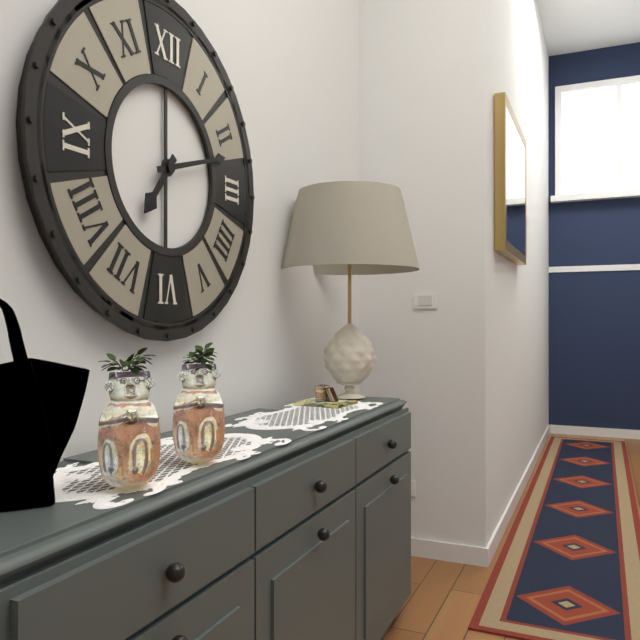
h=7 m=12
